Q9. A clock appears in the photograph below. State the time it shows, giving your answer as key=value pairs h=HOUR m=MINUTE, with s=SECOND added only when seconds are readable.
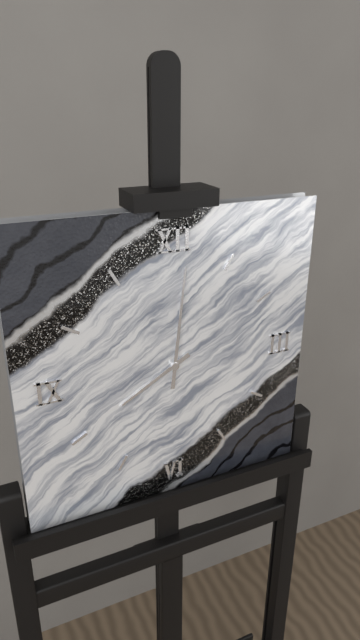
h=8 m=1
